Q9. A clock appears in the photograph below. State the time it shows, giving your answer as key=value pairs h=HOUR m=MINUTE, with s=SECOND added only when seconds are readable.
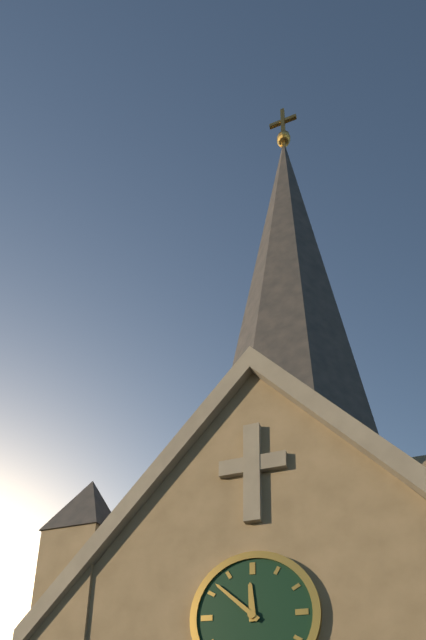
h=11 m=52
